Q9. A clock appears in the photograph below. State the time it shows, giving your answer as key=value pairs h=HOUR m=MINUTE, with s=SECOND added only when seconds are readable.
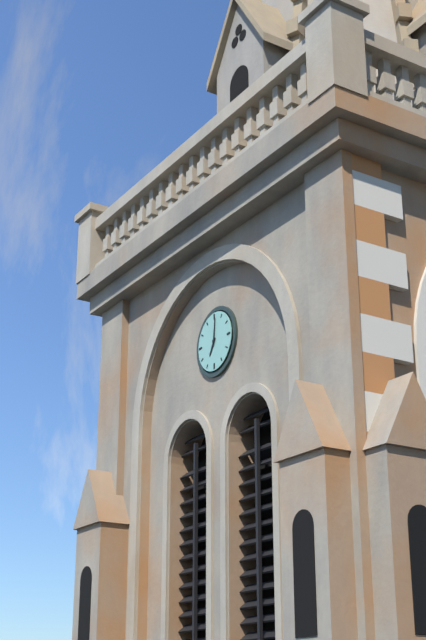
h=7 m=1
